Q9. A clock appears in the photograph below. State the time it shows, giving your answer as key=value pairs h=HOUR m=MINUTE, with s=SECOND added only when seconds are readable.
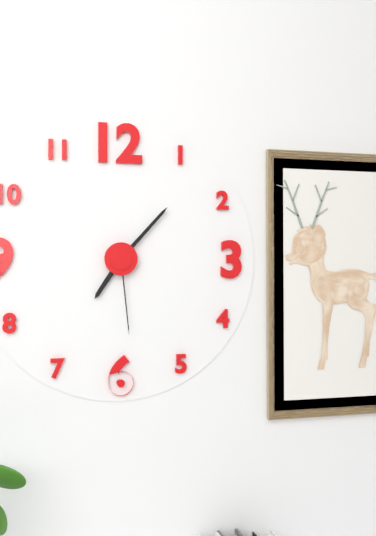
h=7 m=7 s=29
